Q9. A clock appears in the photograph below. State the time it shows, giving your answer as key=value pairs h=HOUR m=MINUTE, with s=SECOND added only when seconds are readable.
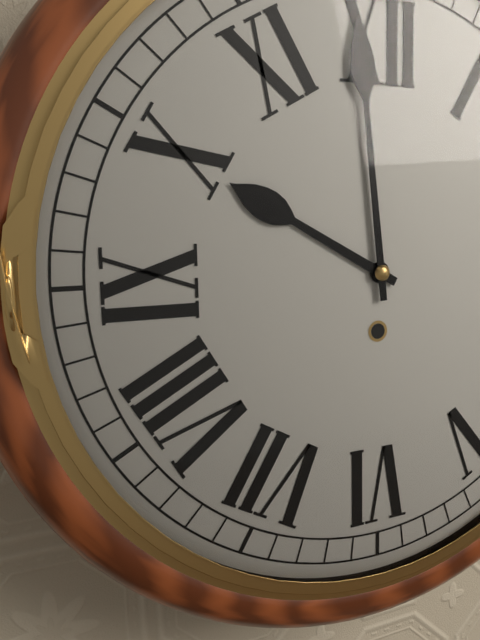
h=9 m=59
